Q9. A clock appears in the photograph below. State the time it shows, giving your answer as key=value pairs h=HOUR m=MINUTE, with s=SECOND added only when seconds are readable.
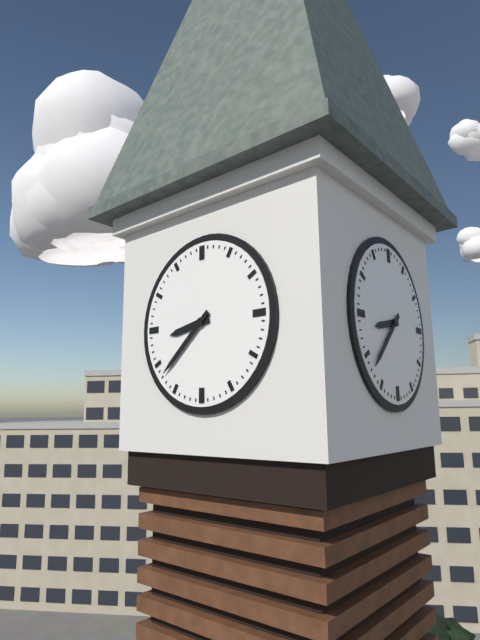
h=8 m=38
